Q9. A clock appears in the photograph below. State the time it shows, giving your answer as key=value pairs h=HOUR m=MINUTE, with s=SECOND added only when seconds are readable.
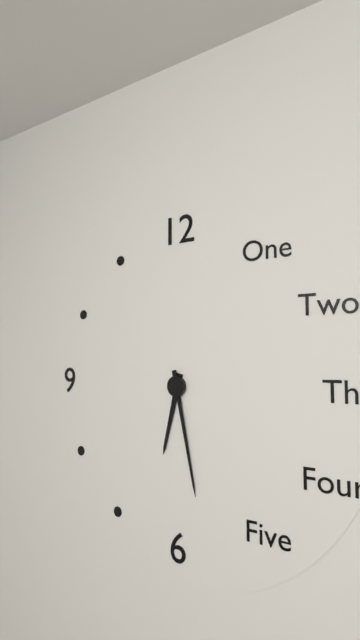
h=6 m=28
